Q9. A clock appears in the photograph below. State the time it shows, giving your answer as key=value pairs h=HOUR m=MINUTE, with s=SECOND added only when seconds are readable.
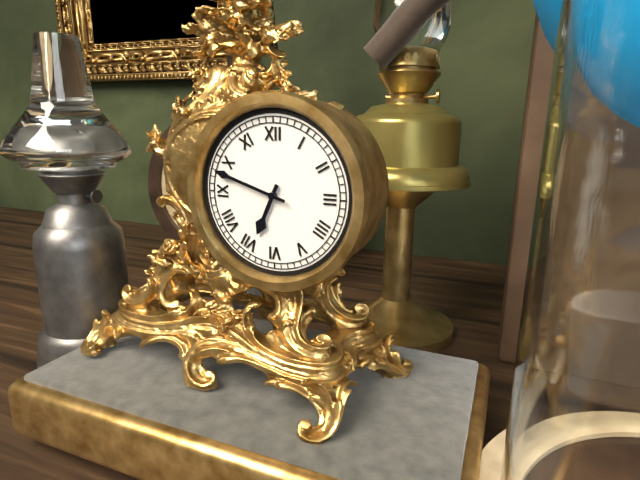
h=6 m=48
